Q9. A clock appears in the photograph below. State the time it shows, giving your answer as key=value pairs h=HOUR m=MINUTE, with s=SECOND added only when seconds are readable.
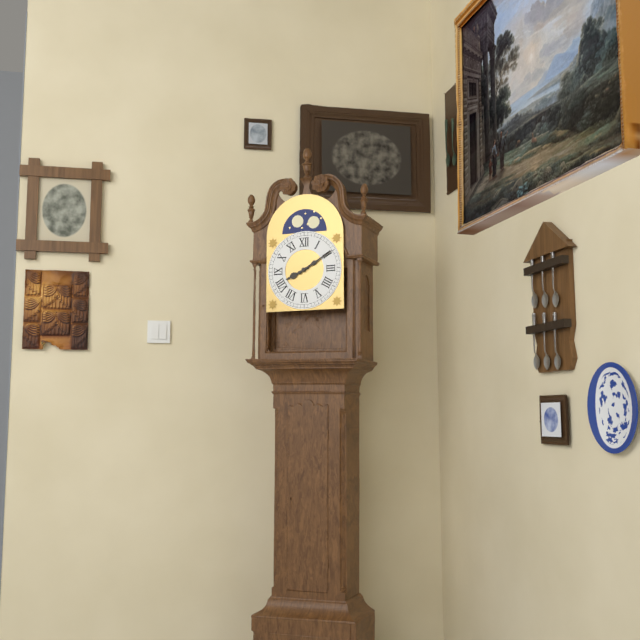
h=8 m=10
